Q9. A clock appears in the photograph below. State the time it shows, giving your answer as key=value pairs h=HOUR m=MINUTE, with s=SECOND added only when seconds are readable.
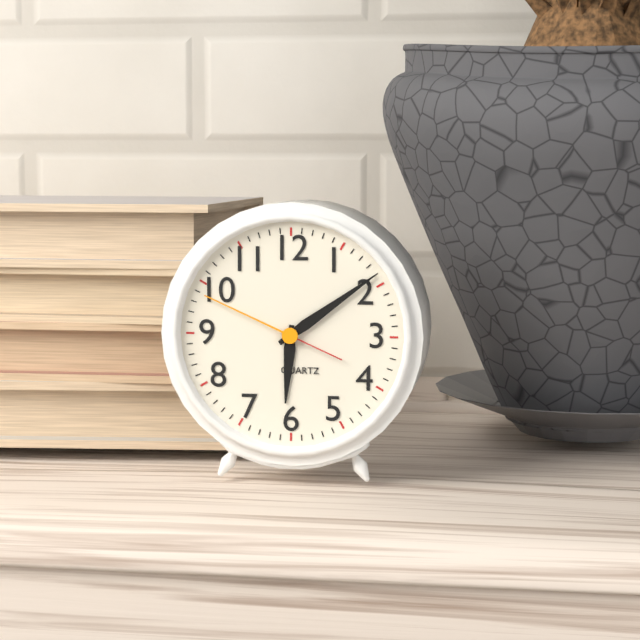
h=6 m=9 s=49
